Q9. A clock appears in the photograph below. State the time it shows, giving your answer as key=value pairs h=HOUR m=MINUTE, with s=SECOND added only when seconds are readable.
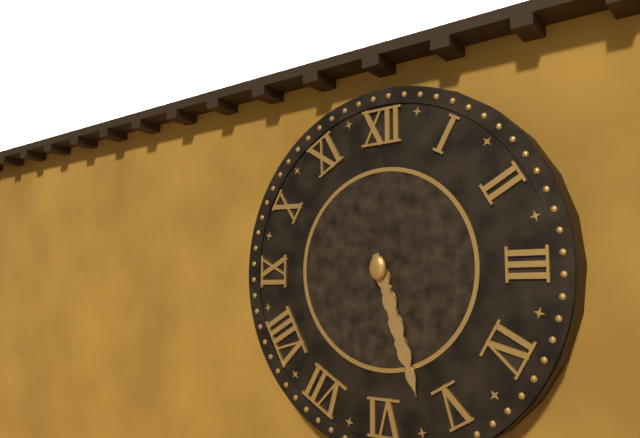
h=5 m=27
